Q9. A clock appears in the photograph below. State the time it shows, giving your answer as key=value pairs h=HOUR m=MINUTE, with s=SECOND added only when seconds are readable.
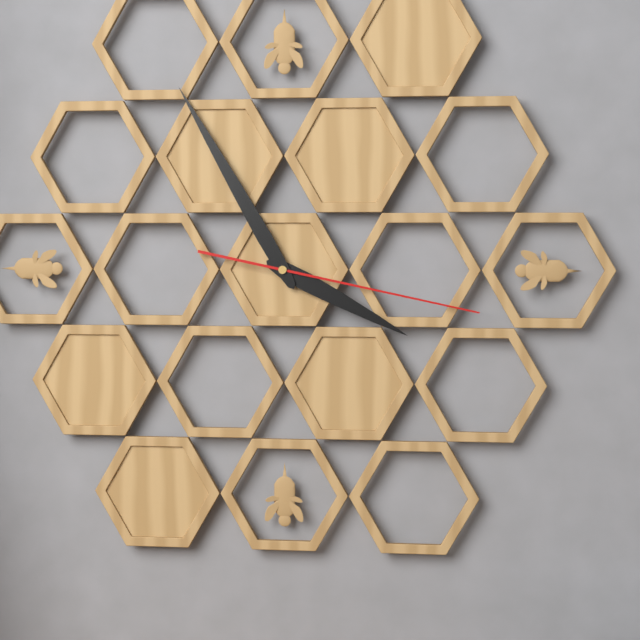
h=3 m=55 s=17
